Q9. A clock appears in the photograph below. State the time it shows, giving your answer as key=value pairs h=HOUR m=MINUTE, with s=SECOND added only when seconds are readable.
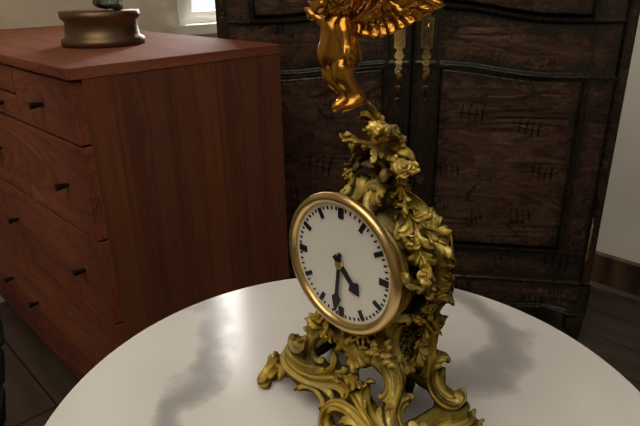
h=4 m=31
